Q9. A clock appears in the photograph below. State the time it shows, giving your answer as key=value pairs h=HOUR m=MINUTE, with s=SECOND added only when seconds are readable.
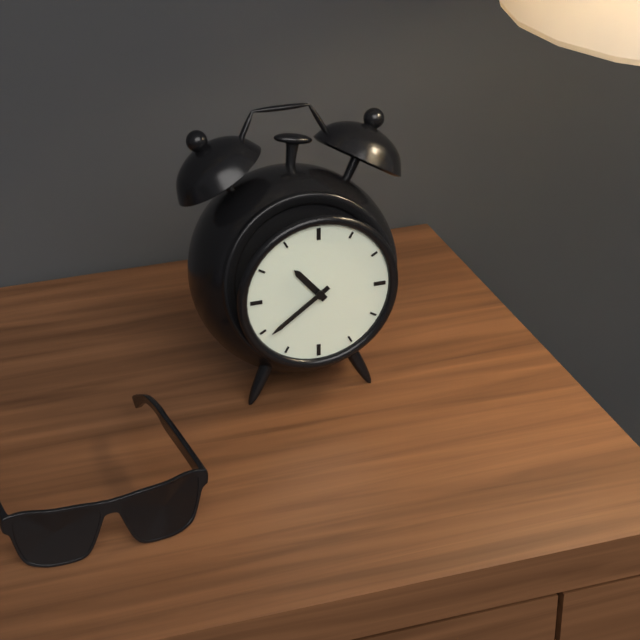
h=10 m=39
